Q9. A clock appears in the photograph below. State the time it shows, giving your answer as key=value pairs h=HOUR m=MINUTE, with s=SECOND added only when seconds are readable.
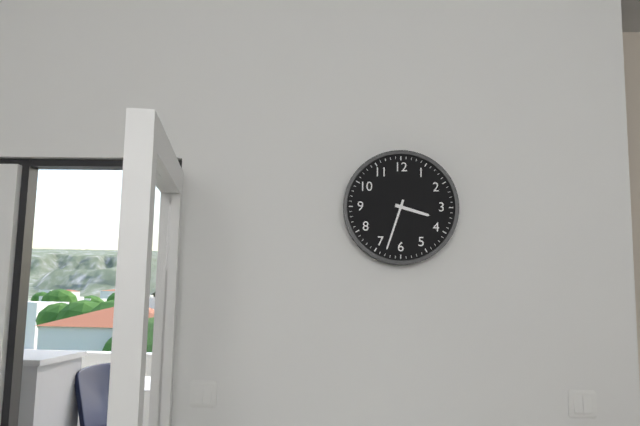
h=3 m=33
